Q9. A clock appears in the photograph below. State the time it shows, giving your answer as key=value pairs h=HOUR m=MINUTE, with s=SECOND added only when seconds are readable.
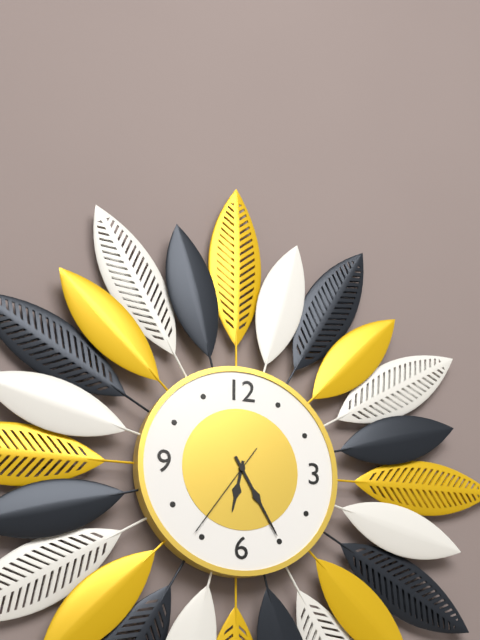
h=6 m=25 s=36
